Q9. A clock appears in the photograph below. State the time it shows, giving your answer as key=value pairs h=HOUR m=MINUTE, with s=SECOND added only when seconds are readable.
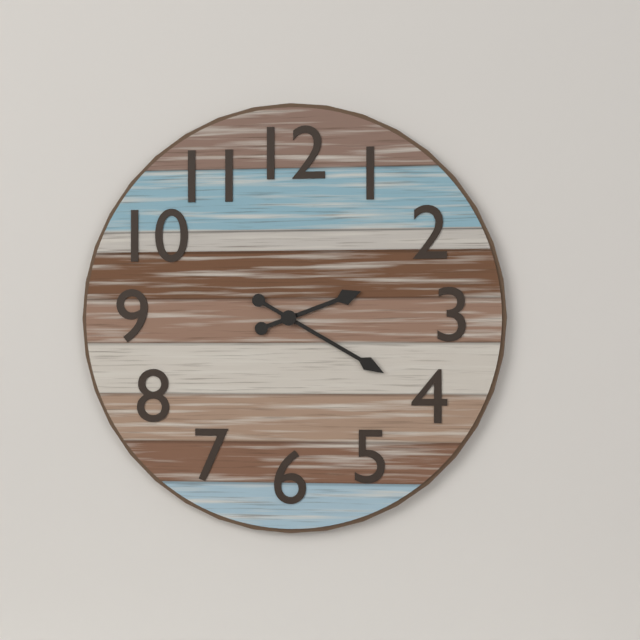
h=2 m=20
